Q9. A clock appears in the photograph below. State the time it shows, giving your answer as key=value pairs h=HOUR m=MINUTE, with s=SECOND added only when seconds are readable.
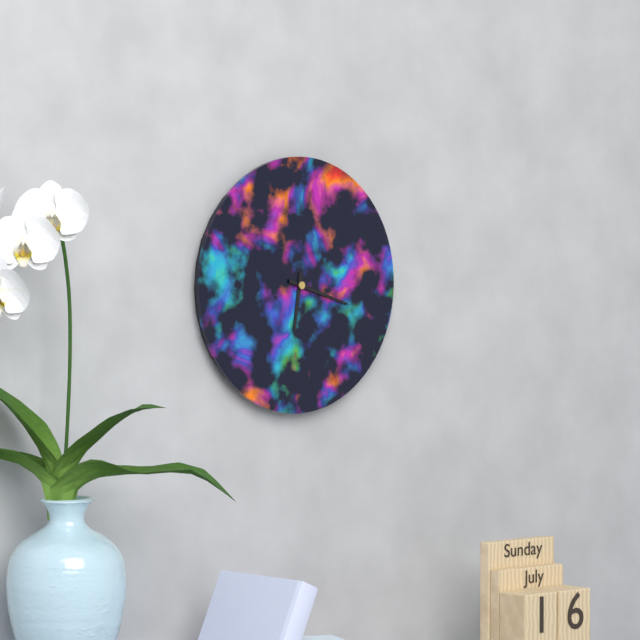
h=6 m=18
